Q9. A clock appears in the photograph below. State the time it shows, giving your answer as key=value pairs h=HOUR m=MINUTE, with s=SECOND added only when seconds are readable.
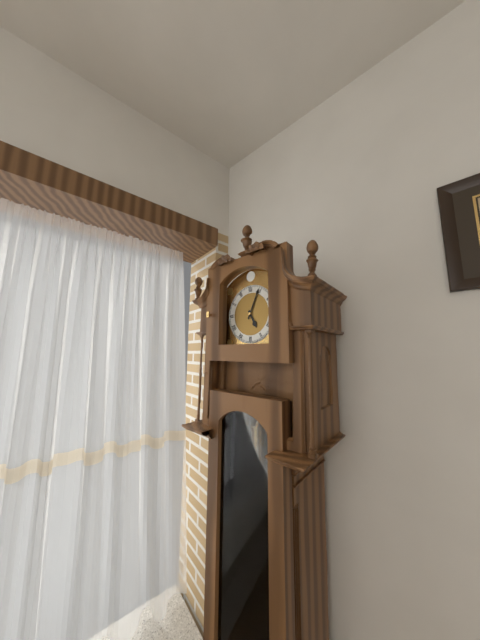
h=5 m=4
